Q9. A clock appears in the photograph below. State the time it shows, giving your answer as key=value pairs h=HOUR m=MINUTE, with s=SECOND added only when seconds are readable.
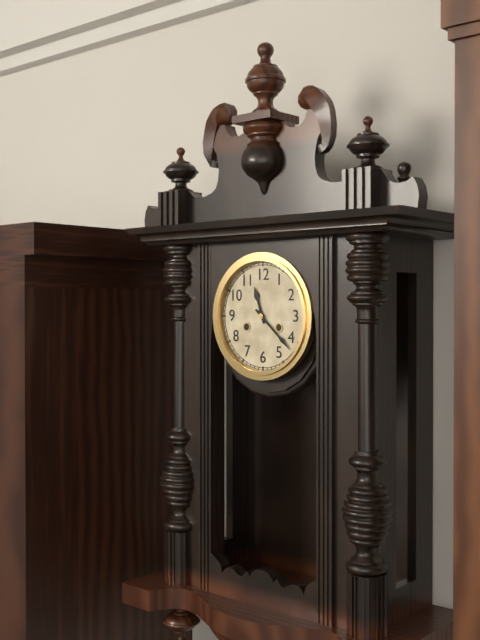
h=11 m=22
